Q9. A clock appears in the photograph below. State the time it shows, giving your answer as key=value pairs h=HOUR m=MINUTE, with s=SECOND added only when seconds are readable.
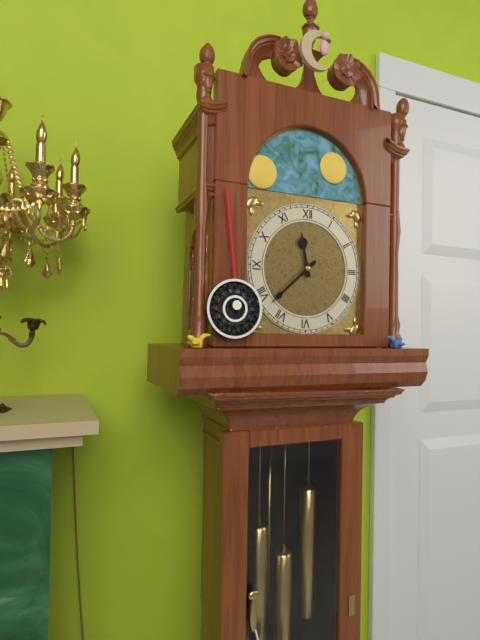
h=11 m=38
